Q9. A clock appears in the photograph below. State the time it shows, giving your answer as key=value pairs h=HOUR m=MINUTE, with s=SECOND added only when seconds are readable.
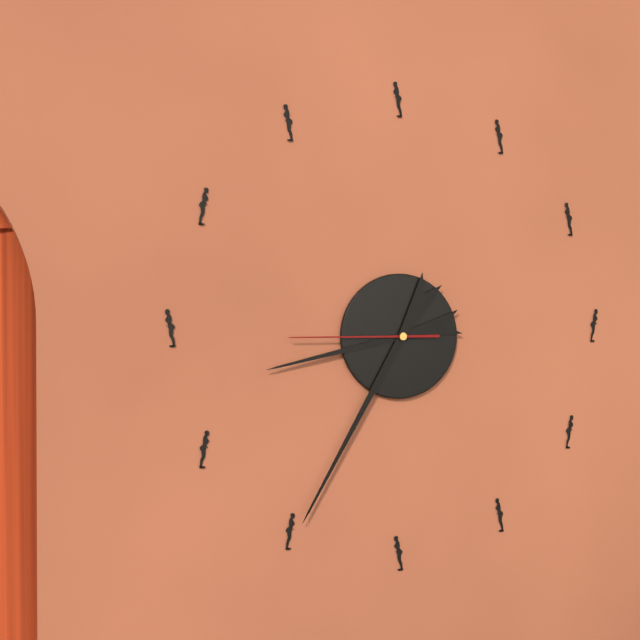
h=8 m=35 s=45
